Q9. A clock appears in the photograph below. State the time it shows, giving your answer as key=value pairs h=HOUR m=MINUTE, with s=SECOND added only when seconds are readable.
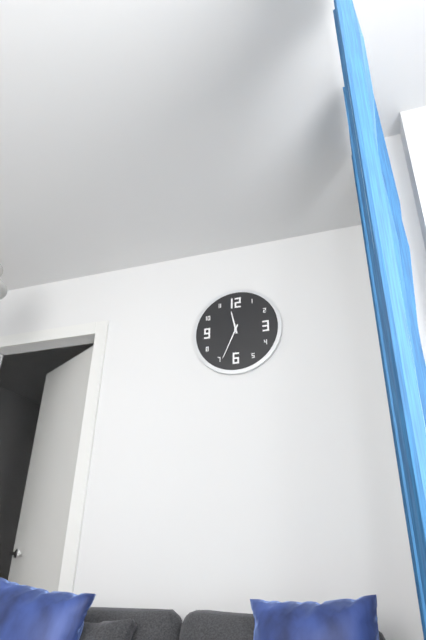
h=11 m=34
